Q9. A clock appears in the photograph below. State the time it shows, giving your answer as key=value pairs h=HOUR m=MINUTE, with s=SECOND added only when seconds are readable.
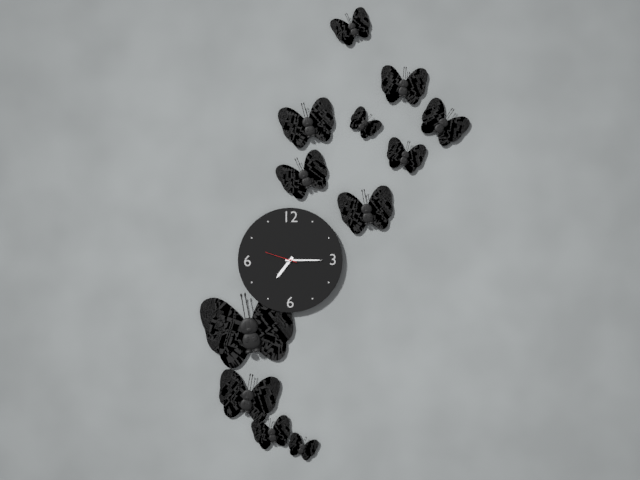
h=7 m=15
